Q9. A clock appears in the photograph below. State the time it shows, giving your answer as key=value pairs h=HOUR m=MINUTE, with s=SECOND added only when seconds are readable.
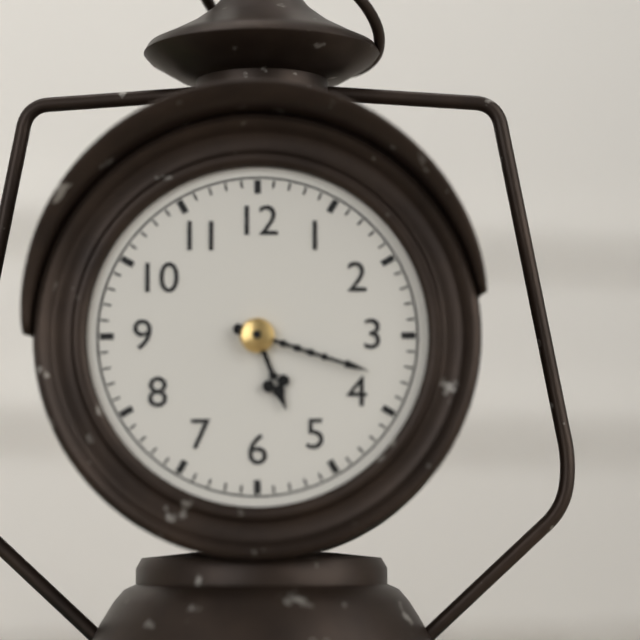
h=5 m=18
